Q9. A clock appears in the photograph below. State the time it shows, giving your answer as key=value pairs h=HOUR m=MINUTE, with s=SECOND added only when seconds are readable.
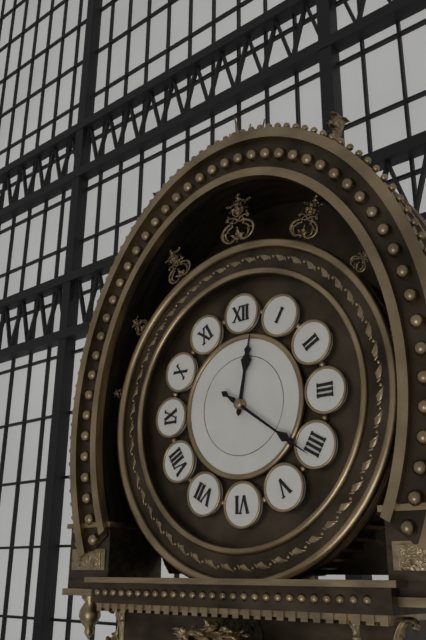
h=12 m=21
